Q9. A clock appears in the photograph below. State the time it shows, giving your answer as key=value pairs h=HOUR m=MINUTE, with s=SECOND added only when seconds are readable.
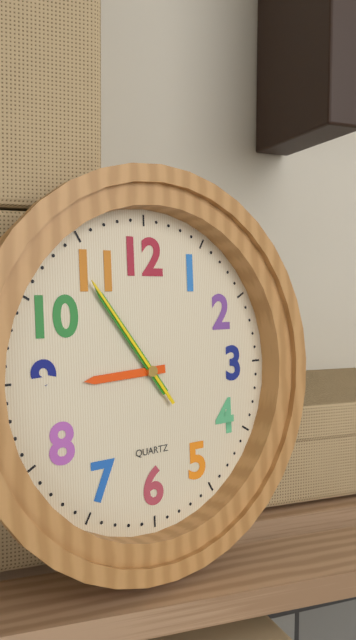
h=8 m=54 s=54
